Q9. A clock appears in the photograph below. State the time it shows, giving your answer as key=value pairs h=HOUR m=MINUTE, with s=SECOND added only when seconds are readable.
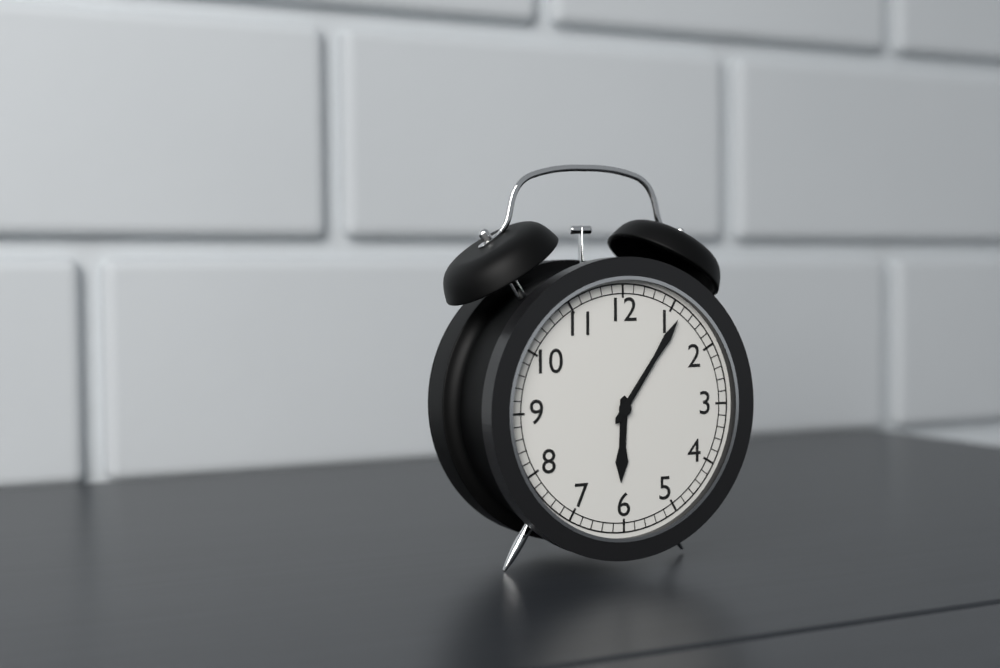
h=6 m=6
